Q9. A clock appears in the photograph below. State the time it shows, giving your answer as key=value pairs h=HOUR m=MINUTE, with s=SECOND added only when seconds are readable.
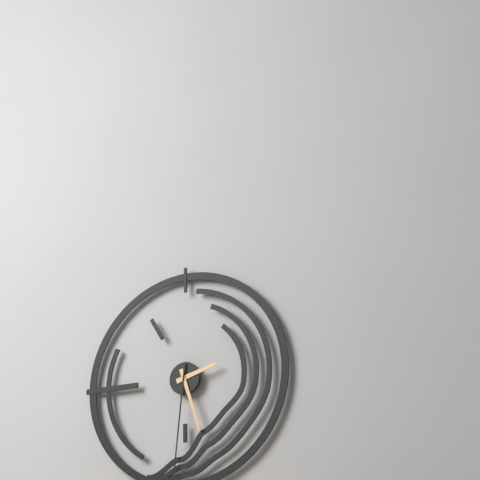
h=2 m=27 s=31
